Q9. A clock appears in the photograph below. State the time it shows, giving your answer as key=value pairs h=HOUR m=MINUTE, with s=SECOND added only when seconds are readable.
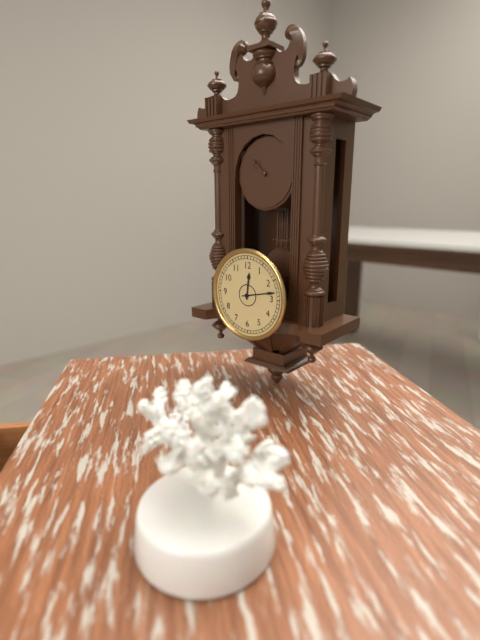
h=12 m=13
